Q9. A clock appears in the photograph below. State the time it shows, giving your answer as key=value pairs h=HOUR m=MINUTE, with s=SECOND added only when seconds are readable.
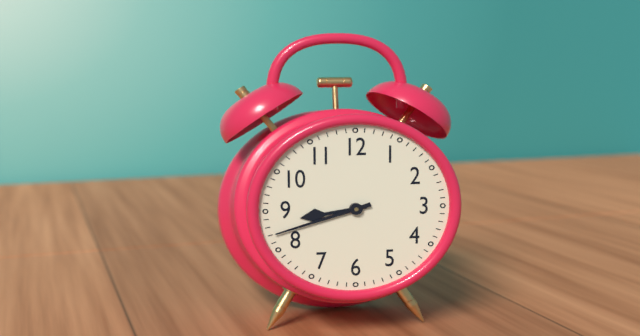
h=8 m=42
